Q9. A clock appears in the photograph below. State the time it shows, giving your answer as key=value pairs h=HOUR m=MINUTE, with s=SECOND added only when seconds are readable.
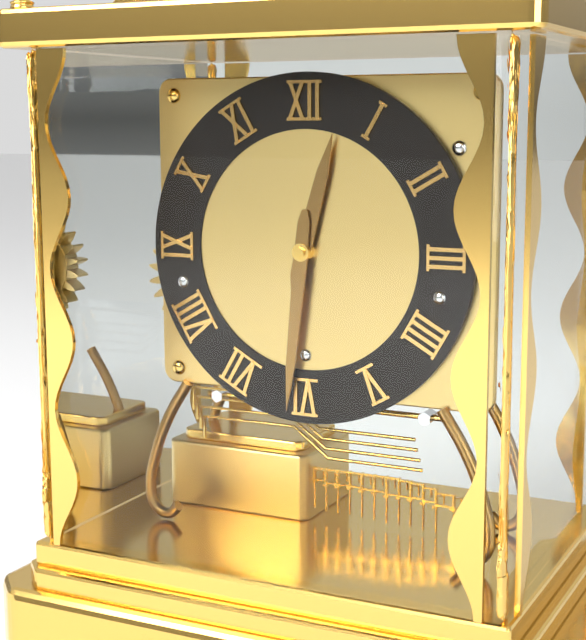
h=12 m=31
